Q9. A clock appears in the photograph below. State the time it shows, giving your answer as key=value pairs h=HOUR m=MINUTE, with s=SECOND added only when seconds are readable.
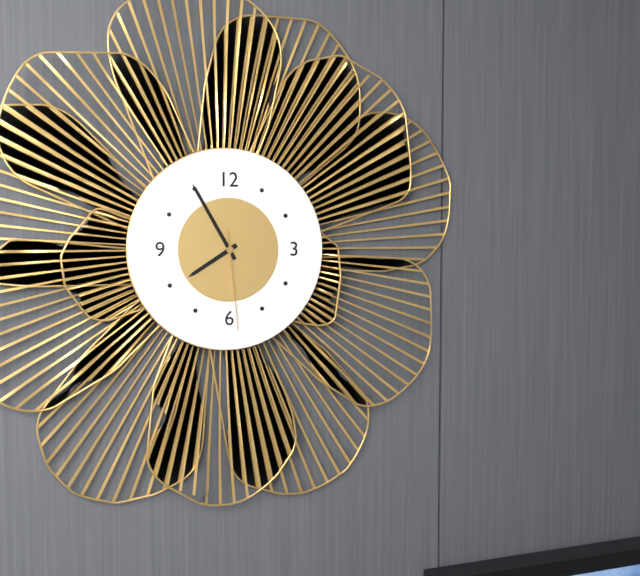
h=7 m=55 s=29
